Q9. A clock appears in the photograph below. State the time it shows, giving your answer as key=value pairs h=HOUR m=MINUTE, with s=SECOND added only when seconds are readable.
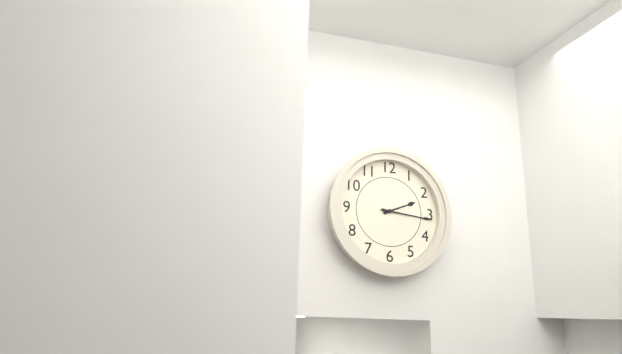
h=2 m=16
